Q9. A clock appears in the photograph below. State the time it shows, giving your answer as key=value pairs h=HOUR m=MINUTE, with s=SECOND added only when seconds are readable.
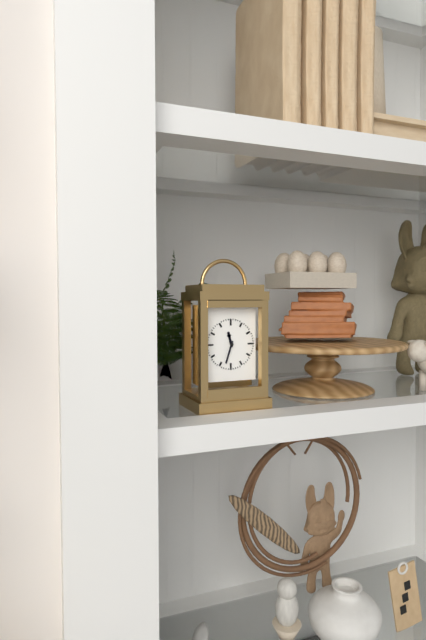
h=11 m=33
